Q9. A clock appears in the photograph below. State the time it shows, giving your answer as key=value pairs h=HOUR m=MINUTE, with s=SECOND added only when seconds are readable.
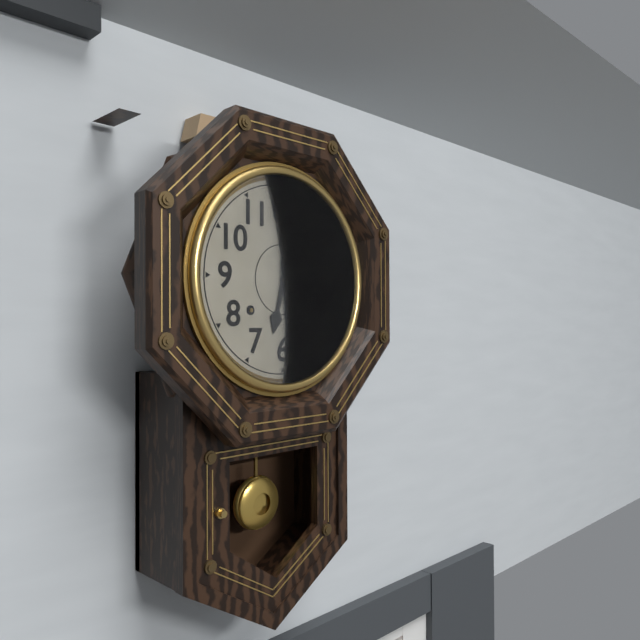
h=6 m=29
